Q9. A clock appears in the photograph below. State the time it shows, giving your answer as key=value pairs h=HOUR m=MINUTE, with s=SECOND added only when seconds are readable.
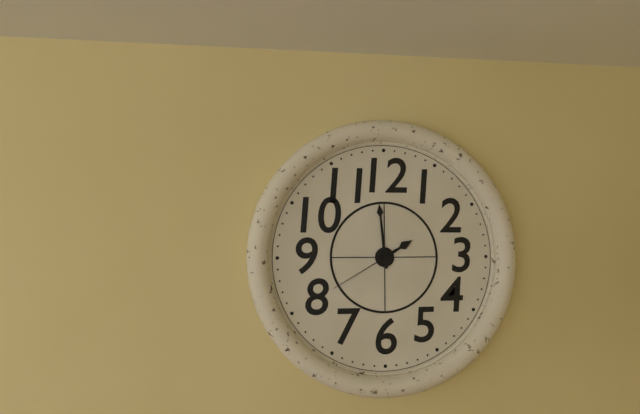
h=1 m=59 s=40
